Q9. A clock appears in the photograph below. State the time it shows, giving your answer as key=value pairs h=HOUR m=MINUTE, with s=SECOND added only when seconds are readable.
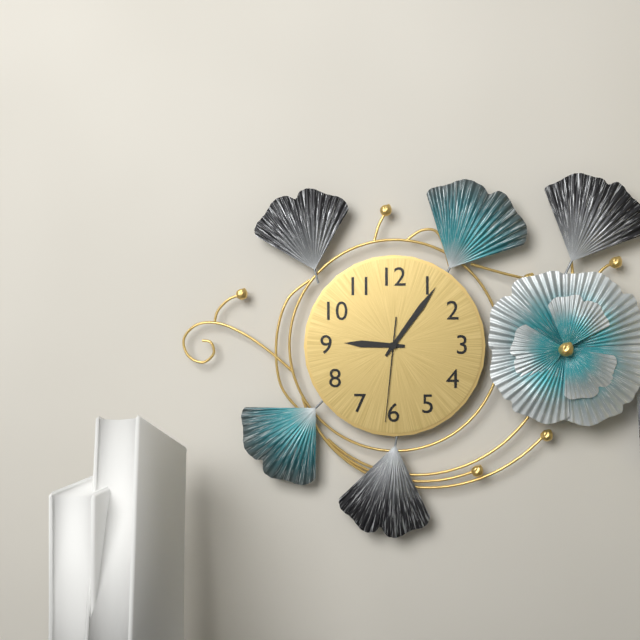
h=9 m=6 s=31
